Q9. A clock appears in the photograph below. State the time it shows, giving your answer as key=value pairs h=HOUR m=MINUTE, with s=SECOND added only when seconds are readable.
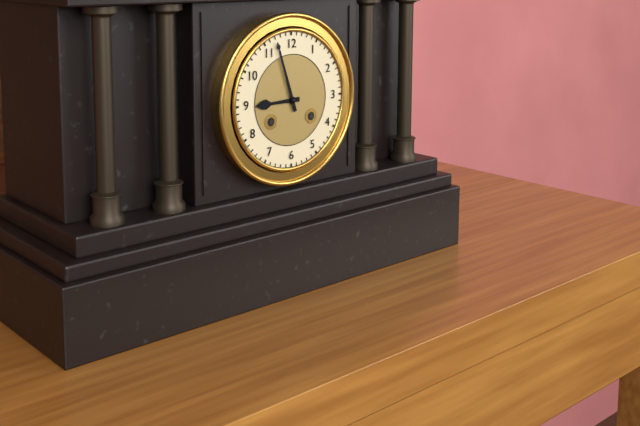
h=8 m=57
